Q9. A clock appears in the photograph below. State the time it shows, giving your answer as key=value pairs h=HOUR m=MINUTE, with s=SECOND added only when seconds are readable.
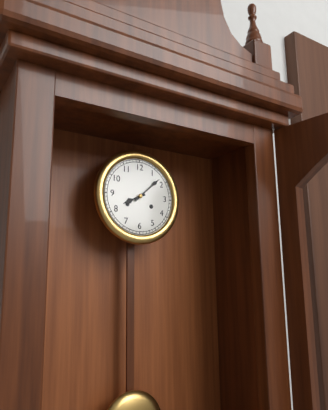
h=8 m=8
